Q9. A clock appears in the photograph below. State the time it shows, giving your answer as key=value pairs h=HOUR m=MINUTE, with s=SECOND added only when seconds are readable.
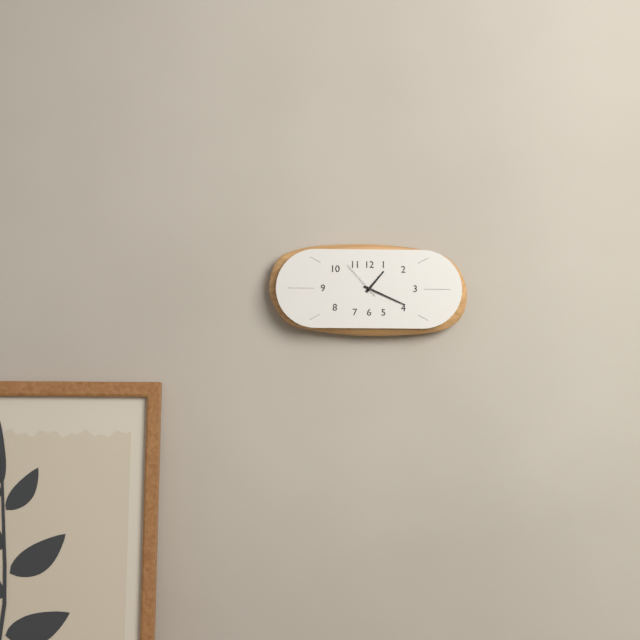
h=1 m=19
